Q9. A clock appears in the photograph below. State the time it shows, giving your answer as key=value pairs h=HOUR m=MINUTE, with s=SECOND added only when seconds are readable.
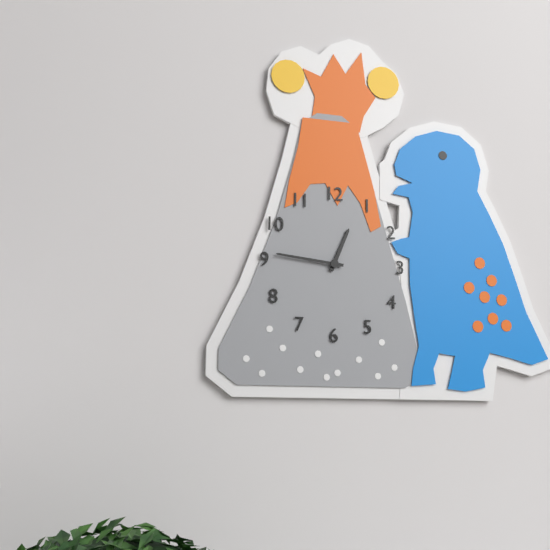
h=12 m=46
